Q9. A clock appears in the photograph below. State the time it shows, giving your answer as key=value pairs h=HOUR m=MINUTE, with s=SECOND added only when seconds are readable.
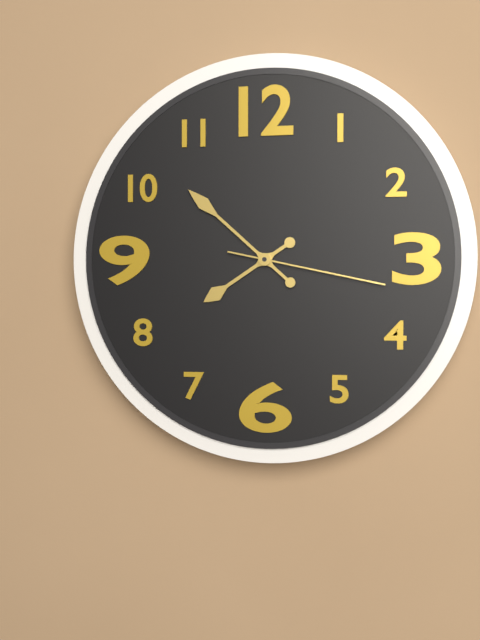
h=7 m=52 s=17
